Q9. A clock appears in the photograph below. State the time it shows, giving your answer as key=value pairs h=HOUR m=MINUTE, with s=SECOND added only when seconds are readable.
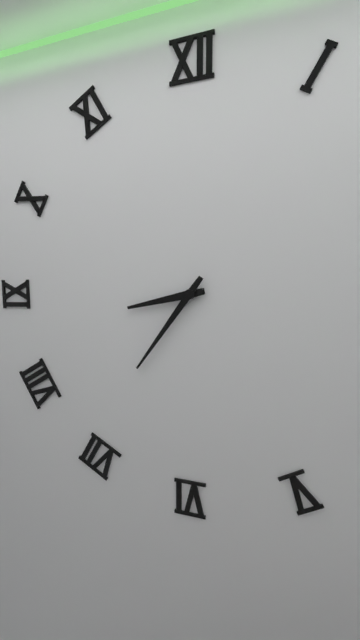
h=8 m=36
